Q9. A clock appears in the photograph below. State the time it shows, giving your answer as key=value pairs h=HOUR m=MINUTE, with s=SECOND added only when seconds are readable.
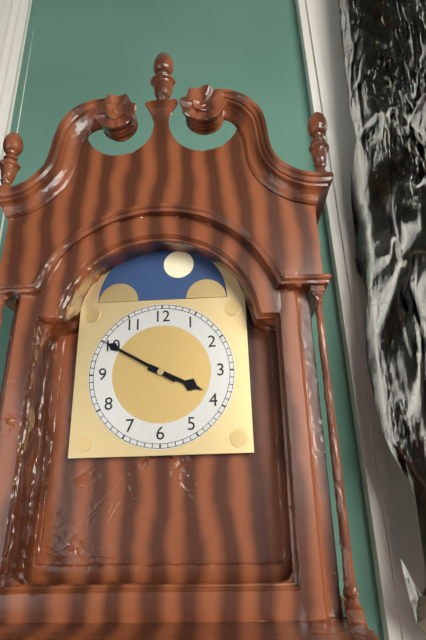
h=3 m=50
